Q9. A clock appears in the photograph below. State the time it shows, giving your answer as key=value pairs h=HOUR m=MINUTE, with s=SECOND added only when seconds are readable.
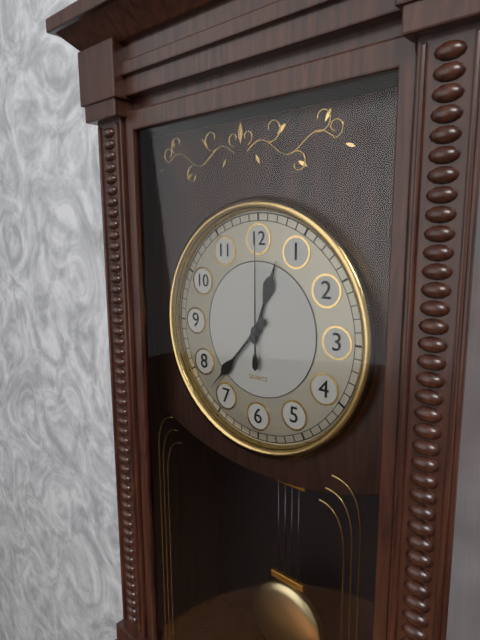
h=12 m=37 s=0
